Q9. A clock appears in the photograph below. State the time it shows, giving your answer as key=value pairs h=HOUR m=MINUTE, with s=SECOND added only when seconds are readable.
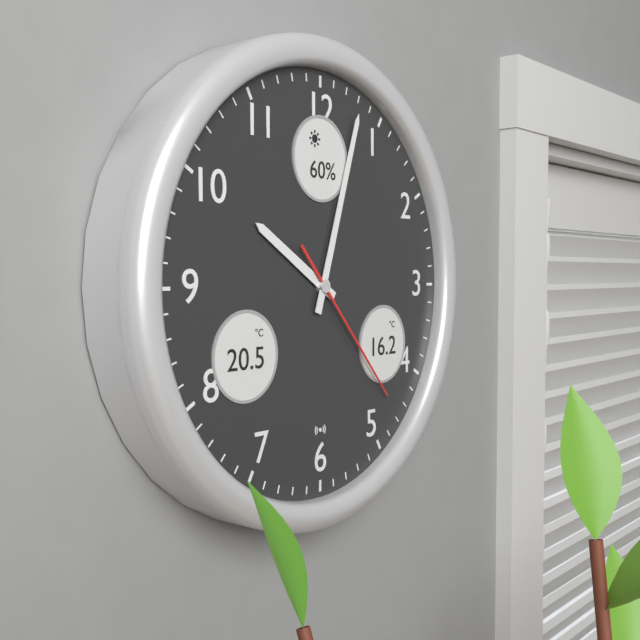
h=10 m=3 s=23
